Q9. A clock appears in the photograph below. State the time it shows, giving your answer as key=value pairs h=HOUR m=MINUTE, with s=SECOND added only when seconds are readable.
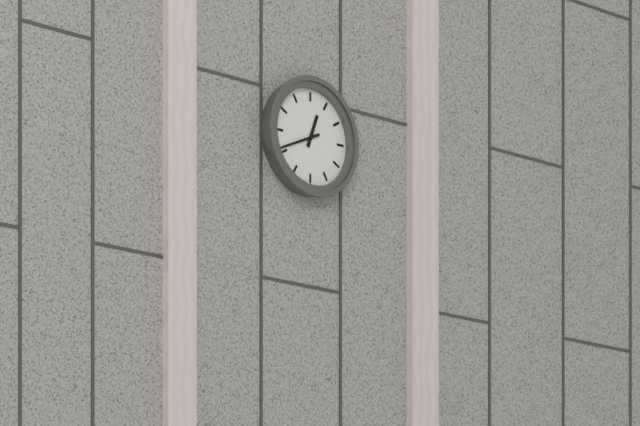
h=12 m=41
